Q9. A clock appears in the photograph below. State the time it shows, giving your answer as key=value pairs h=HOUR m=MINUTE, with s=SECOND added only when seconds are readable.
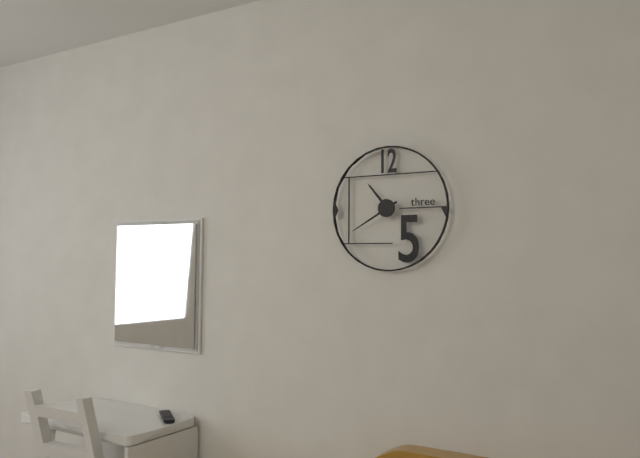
h=10 m=40
